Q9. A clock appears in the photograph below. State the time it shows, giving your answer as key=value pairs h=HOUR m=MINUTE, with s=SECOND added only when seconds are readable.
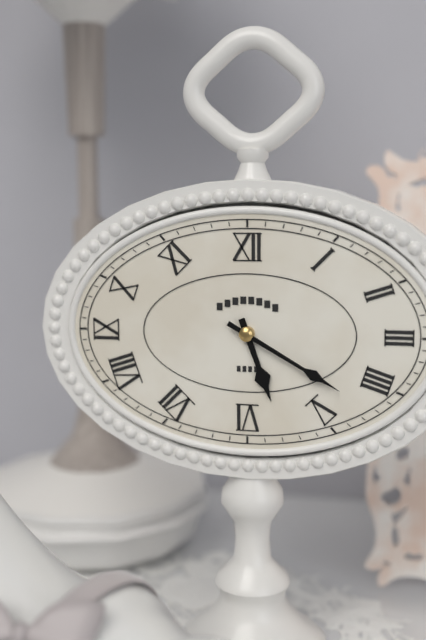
h=5 m=20
